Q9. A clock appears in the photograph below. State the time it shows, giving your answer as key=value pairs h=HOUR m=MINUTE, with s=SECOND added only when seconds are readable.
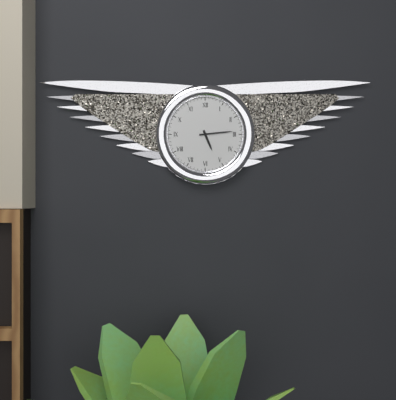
h=5 m=14
